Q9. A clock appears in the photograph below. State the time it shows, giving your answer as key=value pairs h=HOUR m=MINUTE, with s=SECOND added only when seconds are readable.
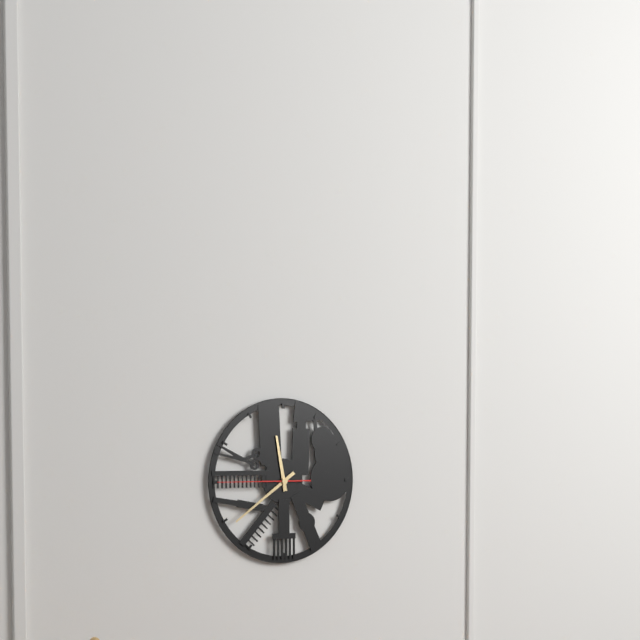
h=11 m=39 s=45
